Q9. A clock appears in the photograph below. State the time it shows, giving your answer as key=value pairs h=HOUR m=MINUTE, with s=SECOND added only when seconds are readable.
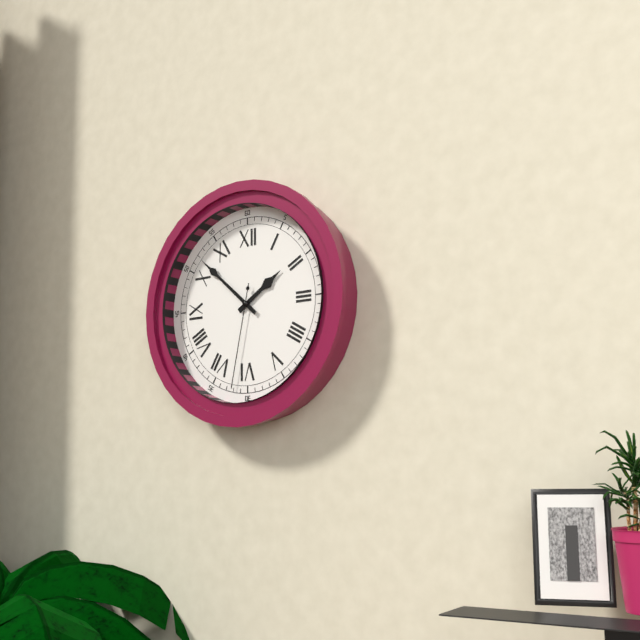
h=1 m=52 s=32
